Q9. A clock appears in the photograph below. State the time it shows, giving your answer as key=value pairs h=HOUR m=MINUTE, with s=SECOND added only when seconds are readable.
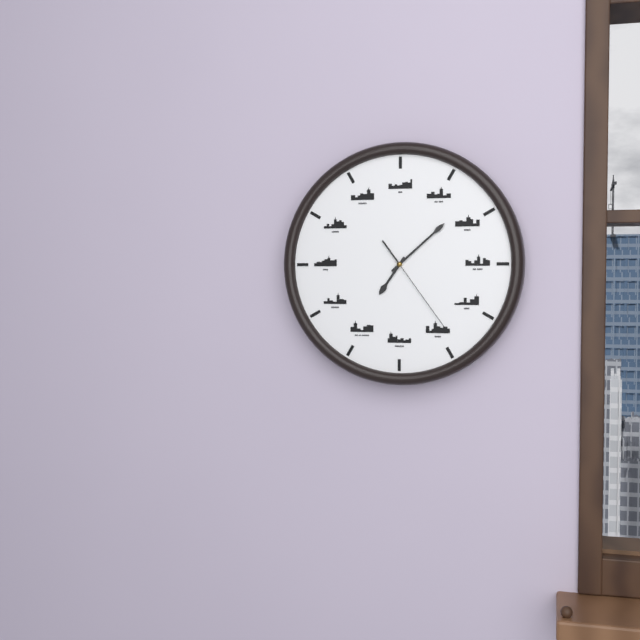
h=7 m=8 s=24
